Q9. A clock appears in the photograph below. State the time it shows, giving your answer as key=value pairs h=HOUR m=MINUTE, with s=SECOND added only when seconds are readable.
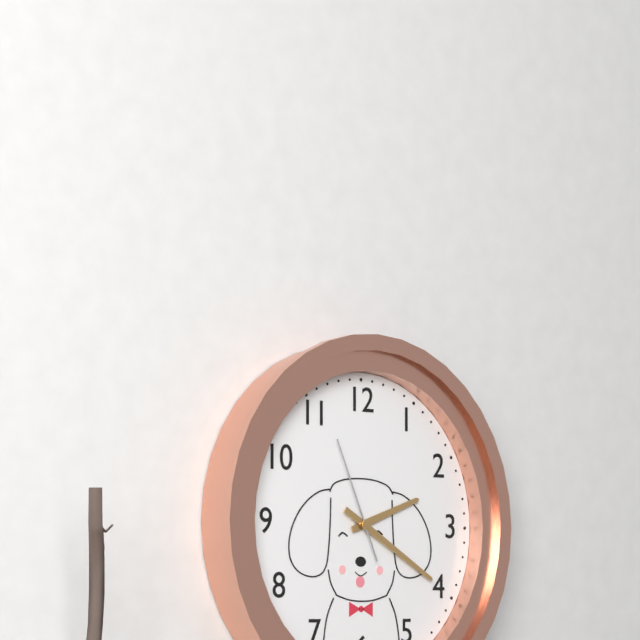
h=2 m=20 s=56
